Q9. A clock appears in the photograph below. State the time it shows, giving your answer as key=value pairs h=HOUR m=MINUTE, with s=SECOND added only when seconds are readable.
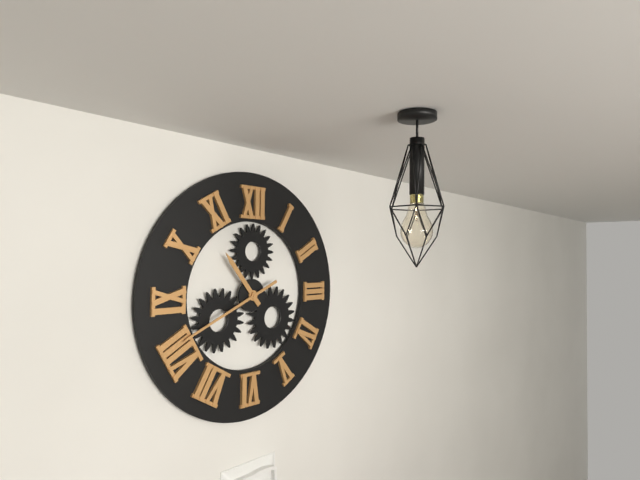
h=10 m=41
